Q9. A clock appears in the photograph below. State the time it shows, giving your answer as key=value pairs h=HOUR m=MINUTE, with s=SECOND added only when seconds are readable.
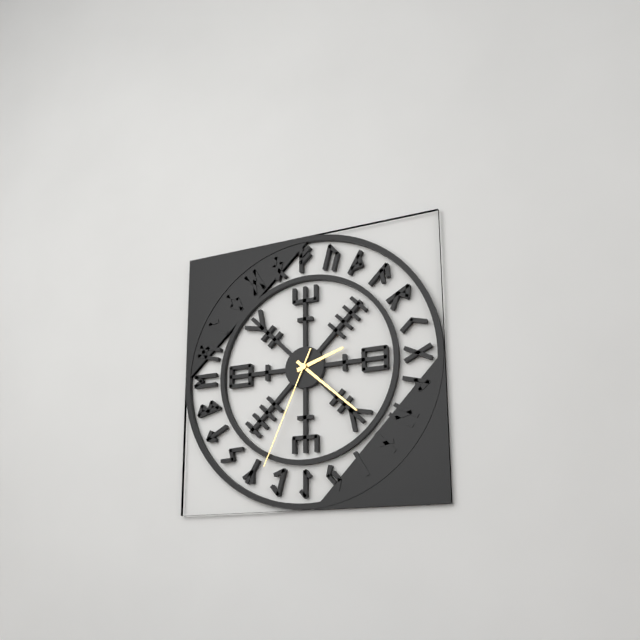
h=2 m=22 s=34
